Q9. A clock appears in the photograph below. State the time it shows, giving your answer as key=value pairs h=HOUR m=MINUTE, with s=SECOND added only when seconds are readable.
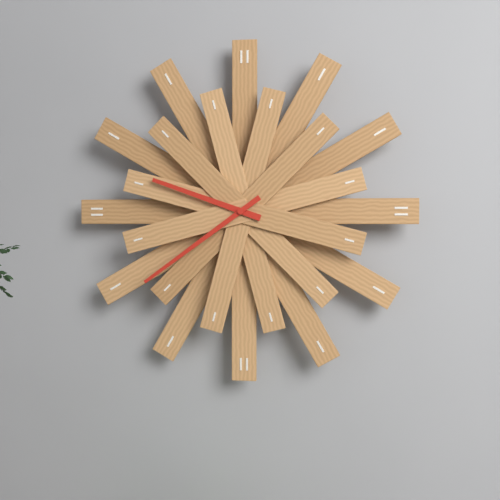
h=9 m=39
